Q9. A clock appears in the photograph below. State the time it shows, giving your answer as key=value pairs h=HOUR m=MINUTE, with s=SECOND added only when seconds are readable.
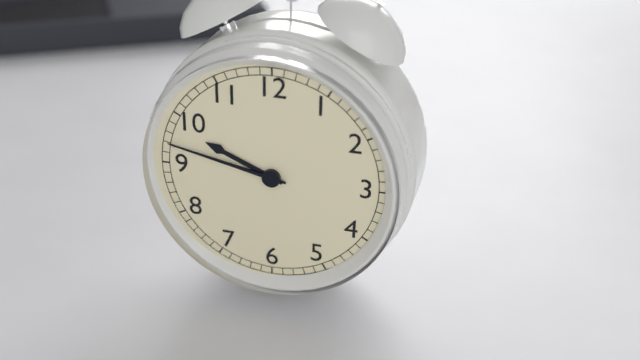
h=9 m=47
